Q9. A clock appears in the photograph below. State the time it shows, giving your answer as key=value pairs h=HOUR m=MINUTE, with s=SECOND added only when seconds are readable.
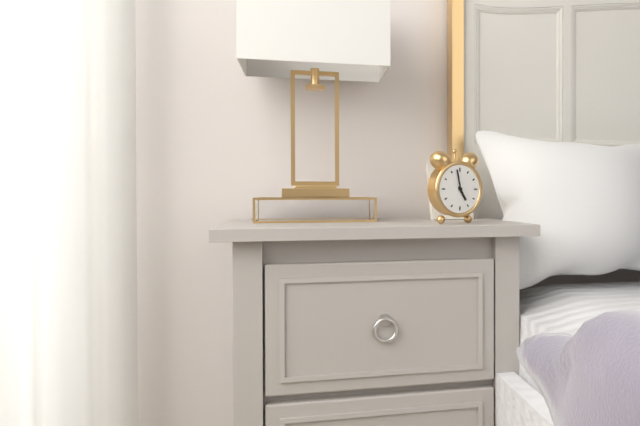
h=4 m=58
